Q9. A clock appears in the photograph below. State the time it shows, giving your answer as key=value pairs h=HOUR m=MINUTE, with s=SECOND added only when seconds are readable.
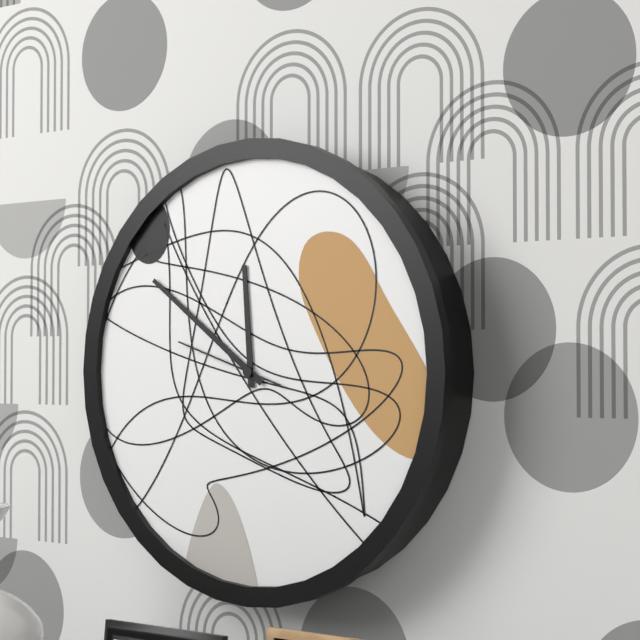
h=11 m=51 s=48
